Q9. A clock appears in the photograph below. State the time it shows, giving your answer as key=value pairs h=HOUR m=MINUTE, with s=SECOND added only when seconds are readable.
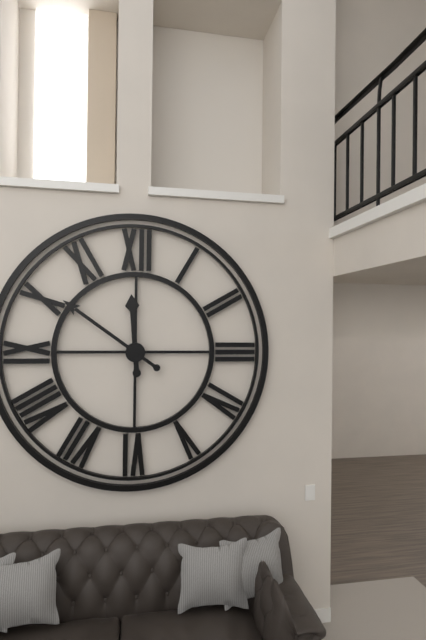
h=11 m=51
